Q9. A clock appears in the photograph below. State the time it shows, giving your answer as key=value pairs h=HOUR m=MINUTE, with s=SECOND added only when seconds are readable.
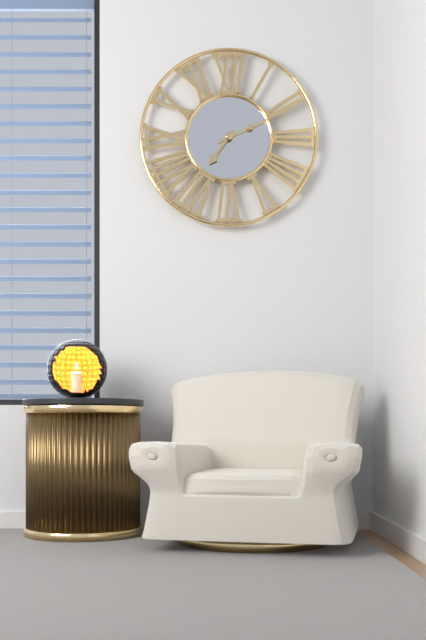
h=7 m=11
